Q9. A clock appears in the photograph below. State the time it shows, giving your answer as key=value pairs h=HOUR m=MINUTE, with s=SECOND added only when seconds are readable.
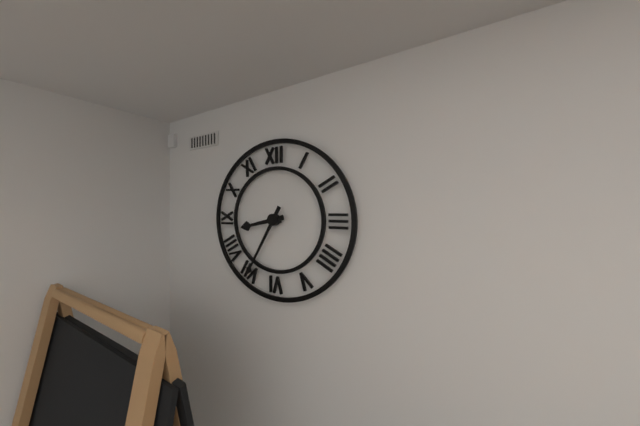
h=8 m=35
